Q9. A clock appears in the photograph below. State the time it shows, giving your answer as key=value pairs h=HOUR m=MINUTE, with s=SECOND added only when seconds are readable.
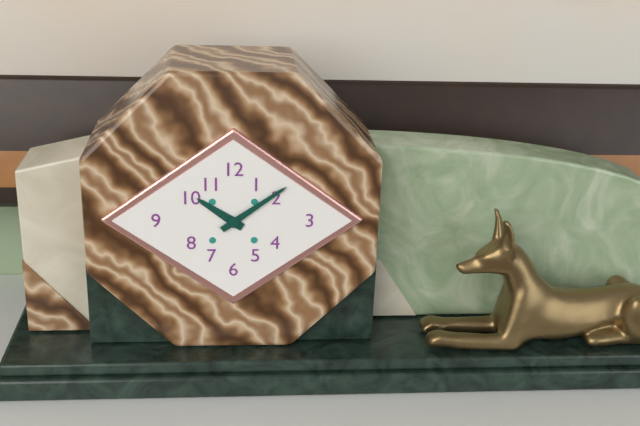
h=10 m=9
